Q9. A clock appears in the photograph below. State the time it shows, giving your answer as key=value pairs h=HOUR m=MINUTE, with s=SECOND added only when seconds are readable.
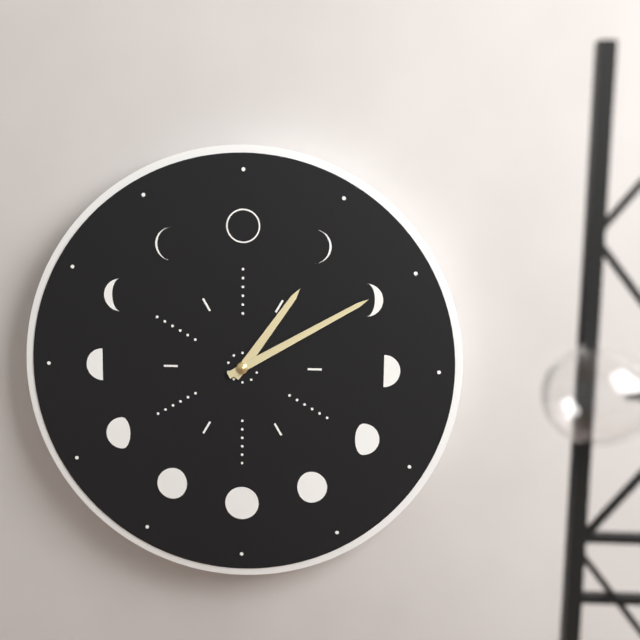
h=1 m=10
